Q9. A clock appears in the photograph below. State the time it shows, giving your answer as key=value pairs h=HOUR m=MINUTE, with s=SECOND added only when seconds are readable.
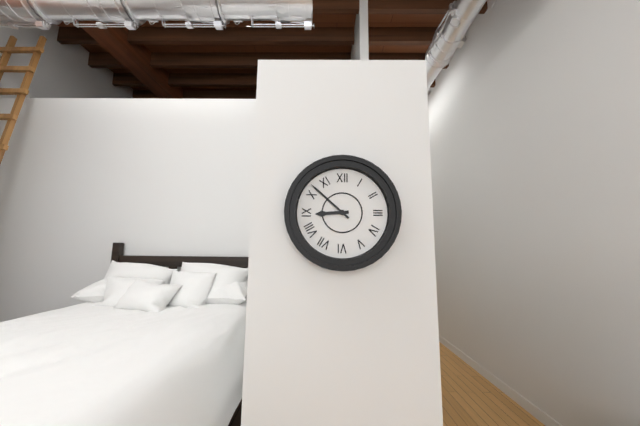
h=8 m=52
